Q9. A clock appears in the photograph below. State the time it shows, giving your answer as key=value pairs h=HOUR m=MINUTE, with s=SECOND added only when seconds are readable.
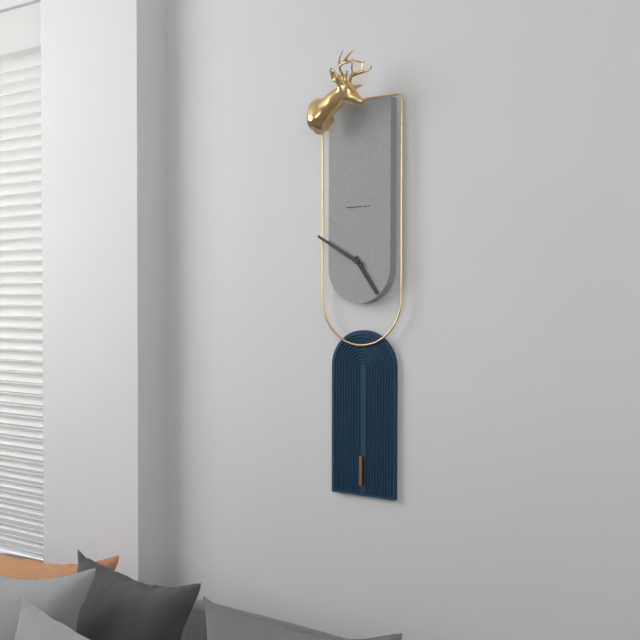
h=4 m=50
